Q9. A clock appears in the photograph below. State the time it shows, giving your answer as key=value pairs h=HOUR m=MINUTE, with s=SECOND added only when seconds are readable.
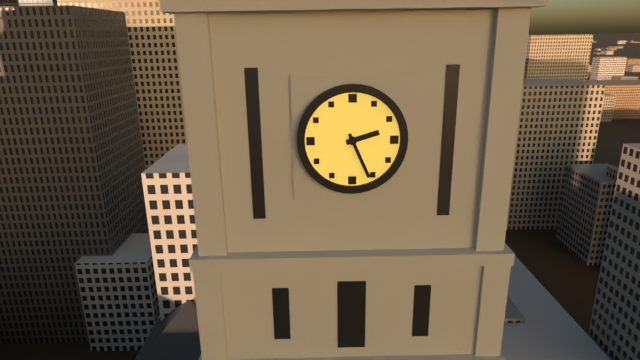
h=2 m=26
